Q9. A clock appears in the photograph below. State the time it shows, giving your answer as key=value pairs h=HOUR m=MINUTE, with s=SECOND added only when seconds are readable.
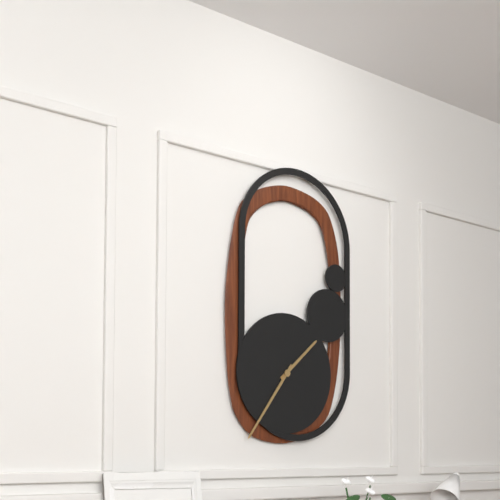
h=1 m=36
